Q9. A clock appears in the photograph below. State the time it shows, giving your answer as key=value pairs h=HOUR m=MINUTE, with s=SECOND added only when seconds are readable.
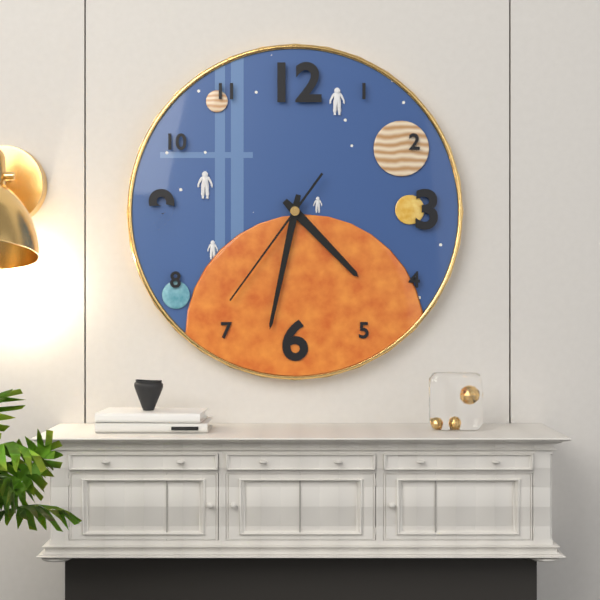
h=4 m=32 s=36
